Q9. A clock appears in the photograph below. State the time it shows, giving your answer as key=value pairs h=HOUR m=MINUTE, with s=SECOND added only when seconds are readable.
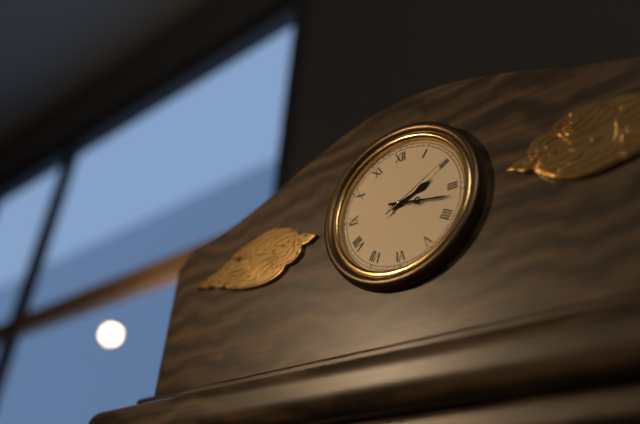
h=2 m=17 s=10
